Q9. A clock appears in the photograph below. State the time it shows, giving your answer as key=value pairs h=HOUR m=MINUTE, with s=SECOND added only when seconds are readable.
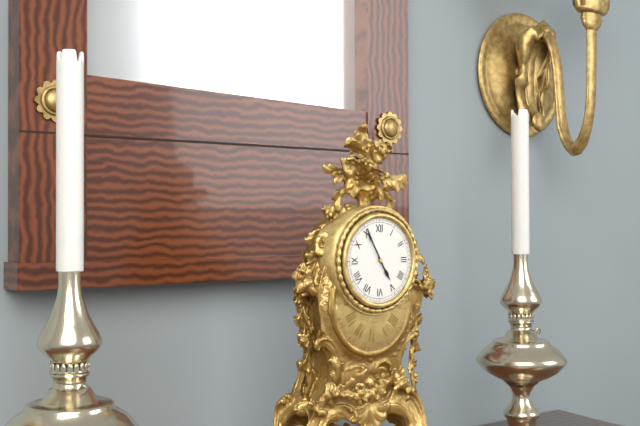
h=4 m=55
